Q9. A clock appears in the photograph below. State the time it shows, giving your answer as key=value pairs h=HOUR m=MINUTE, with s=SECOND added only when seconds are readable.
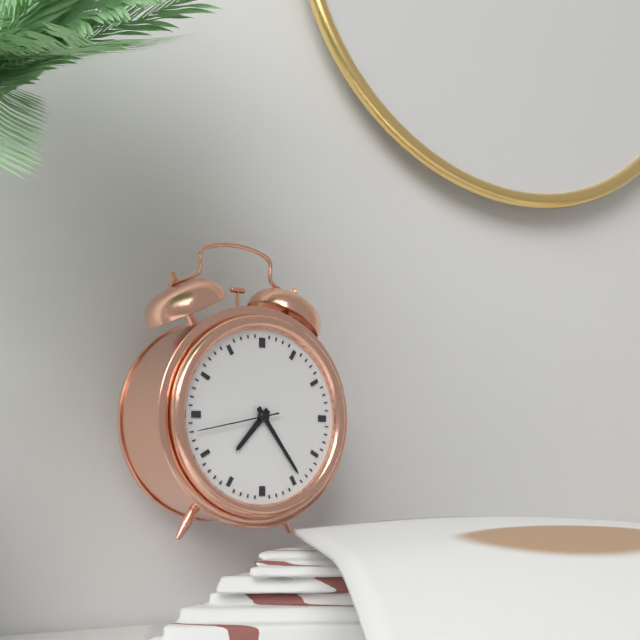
h=7 m=24 s=43
